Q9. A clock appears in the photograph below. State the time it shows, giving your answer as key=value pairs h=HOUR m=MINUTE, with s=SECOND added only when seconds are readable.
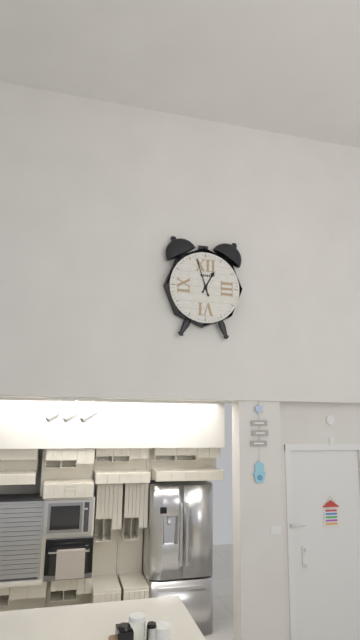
h=12 m=57
